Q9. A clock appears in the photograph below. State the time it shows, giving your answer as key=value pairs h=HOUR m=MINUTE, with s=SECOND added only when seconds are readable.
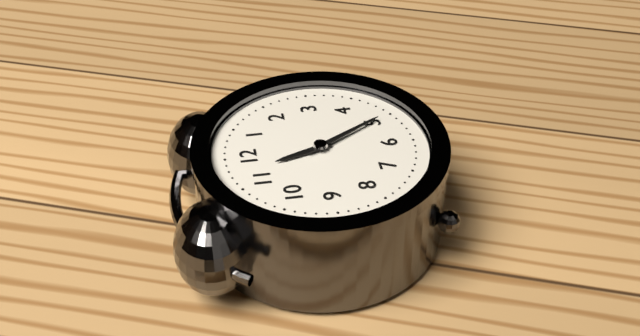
h=11 m=25
